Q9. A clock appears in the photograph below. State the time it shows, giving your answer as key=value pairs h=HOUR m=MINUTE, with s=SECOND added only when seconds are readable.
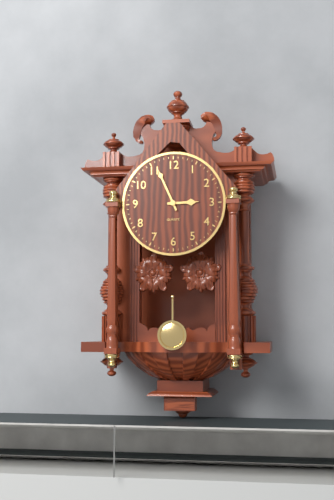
h=2 m=56
